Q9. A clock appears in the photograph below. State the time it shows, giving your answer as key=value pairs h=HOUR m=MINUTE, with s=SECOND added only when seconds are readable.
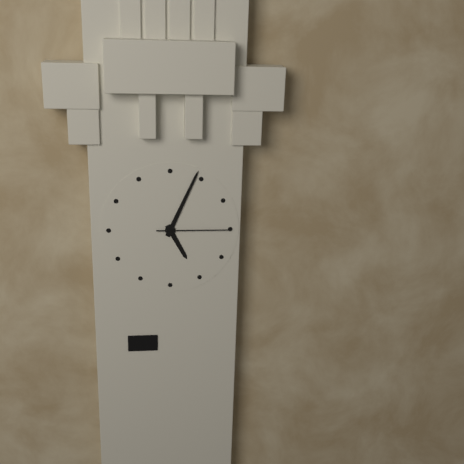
h=5 m=4 s=15
